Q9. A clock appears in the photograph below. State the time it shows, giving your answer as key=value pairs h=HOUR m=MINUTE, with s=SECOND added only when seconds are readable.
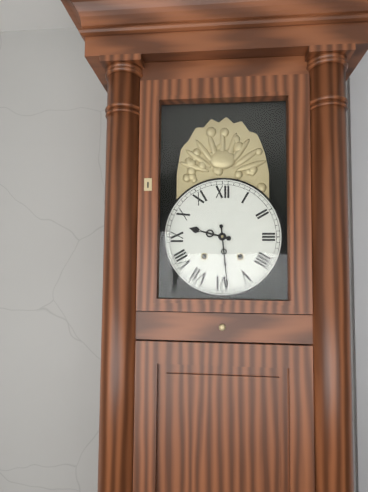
h=9 m=29
